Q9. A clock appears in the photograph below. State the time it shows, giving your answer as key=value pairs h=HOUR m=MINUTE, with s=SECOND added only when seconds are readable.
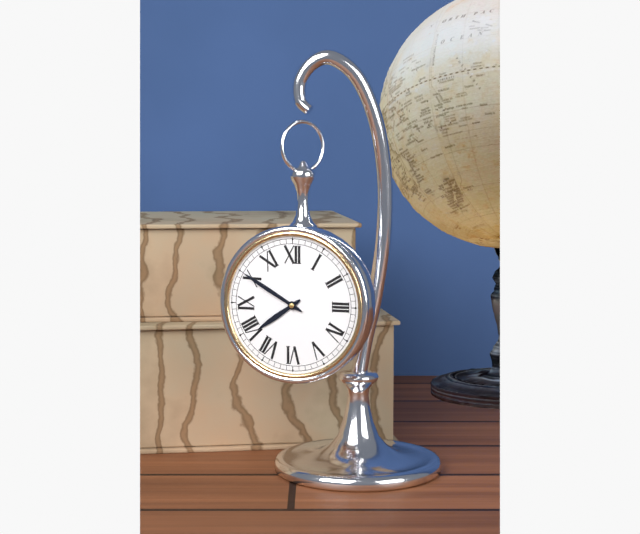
h=7 m=50
